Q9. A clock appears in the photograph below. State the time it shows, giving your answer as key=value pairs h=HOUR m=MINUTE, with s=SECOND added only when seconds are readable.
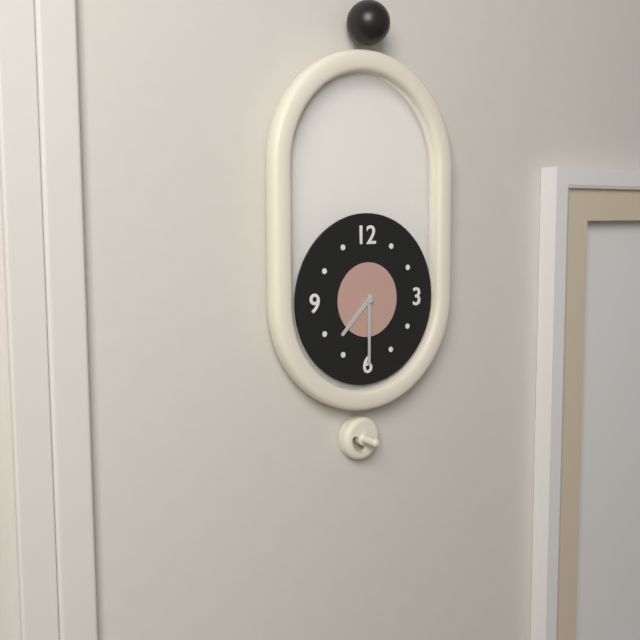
h=7 m=30
